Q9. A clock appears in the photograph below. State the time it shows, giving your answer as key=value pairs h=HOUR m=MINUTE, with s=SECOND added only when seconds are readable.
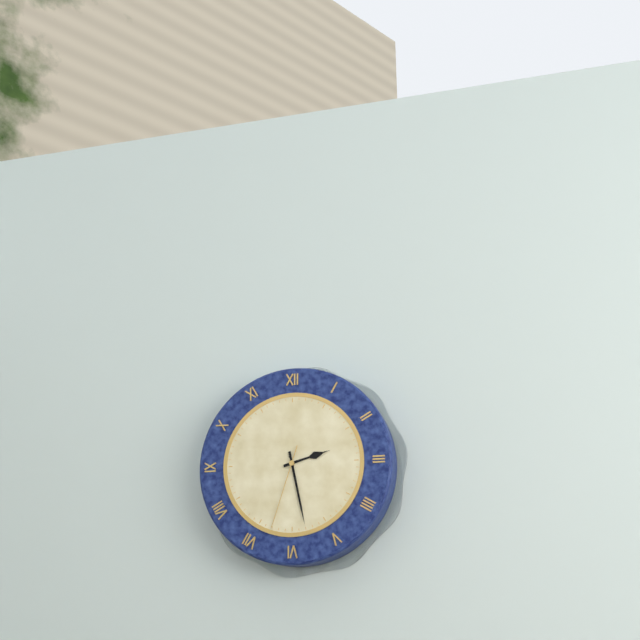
h=2 m=28 s=33
